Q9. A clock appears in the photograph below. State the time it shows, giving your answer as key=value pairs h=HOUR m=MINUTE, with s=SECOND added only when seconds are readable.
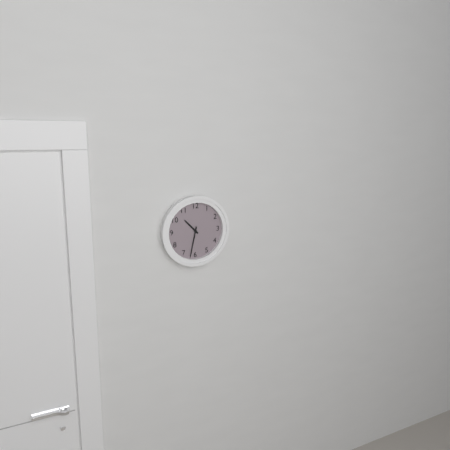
h=10 m=32
